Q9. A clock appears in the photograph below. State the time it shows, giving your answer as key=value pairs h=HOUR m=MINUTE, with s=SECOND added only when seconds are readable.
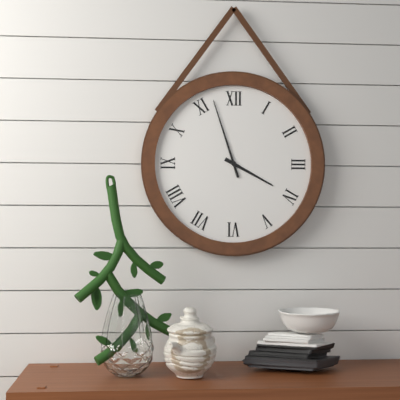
h=3 m=57
